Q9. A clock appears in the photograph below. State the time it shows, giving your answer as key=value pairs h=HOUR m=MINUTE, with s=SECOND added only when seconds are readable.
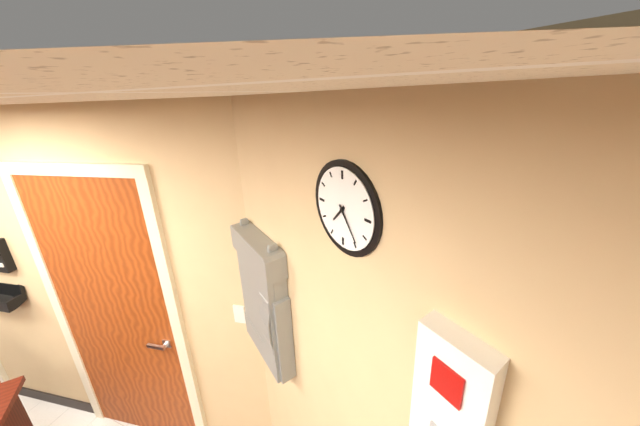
h=7 m=24
